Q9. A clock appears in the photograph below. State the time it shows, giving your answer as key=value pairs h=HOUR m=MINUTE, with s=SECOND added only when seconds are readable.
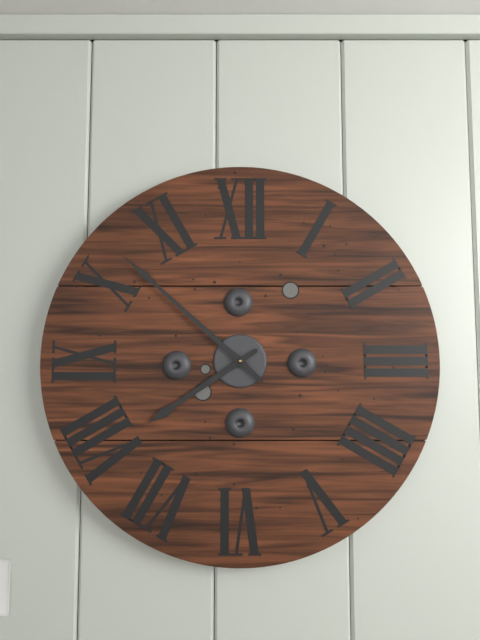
h=7 m=52
